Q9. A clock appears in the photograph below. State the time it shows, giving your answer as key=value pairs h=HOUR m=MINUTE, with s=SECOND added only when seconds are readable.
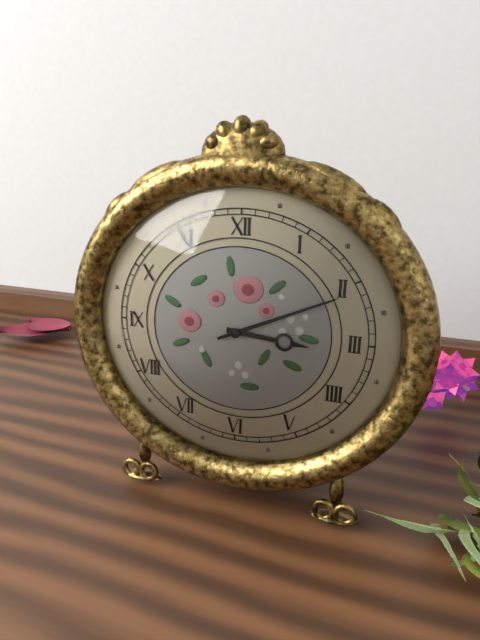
h=3 m=11
